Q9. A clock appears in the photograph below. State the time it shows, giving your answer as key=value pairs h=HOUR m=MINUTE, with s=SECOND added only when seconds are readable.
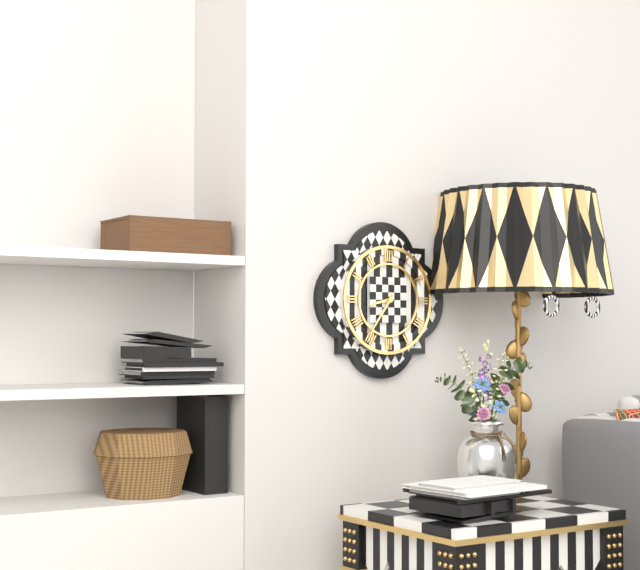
h=8 m=36
